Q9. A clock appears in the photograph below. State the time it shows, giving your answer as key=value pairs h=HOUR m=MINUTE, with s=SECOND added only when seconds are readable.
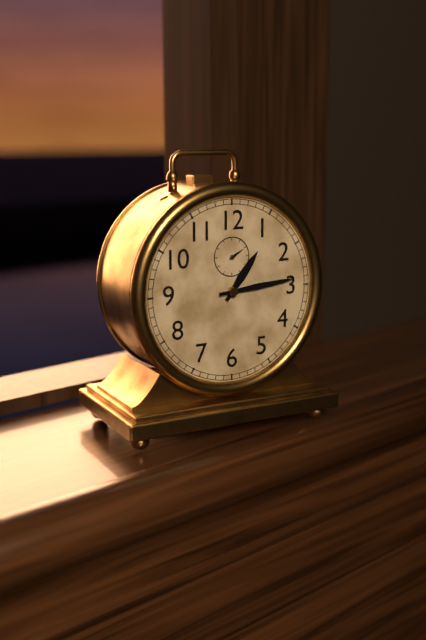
h=1 m=14
